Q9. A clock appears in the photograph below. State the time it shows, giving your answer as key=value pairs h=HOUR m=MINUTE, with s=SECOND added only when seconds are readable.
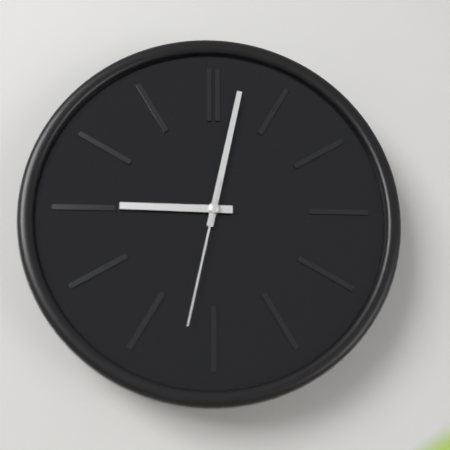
h=9 m=2 s=32
